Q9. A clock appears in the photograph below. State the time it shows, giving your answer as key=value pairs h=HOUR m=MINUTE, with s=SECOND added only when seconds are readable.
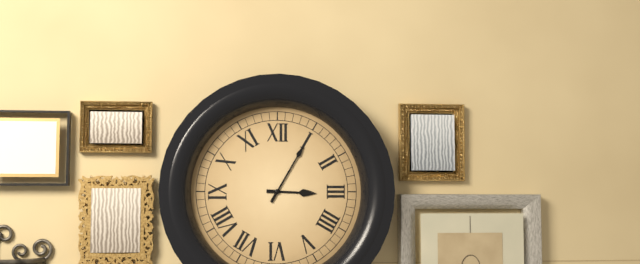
h=3 m=5
